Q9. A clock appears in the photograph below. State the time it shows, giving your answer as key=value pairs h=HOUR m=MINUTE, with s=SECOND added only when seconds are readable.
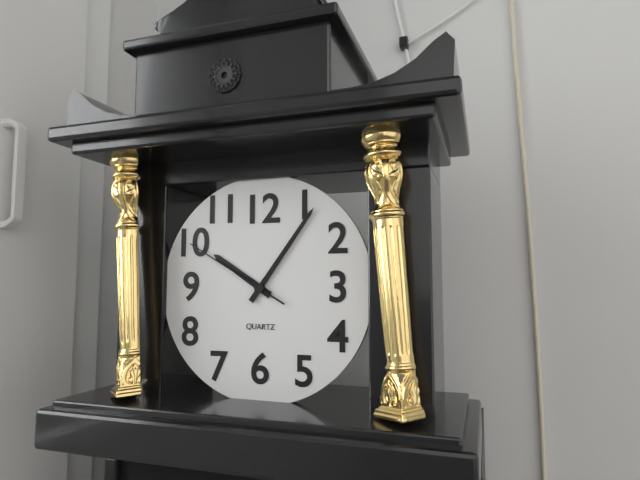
h=10 m=6 s=50
